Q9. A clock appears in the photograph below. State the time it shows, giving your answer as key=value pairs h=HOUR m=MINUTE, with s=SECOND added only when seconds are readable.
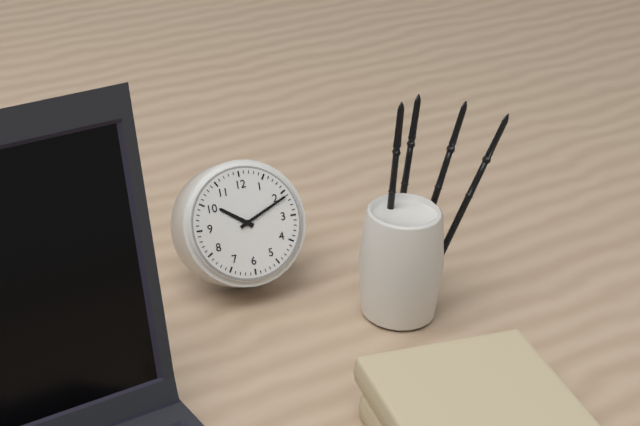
h=10 m=11
